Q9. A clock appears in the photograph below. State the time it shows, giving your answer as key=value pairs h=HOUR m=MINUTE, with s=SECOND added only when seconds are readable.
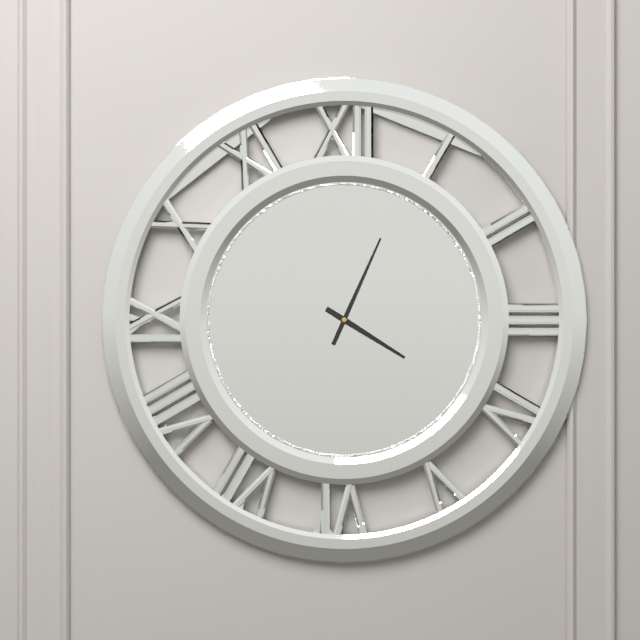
h=4 m=4
